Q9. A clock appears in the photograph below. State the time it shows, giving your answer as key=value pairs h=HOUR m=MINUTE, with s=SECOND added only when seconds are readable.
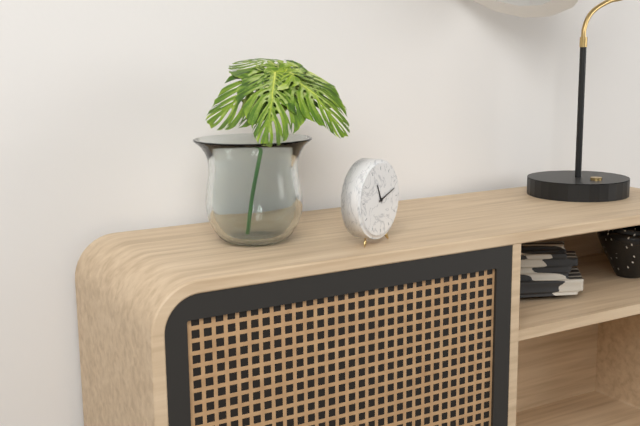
h=11 m=12
